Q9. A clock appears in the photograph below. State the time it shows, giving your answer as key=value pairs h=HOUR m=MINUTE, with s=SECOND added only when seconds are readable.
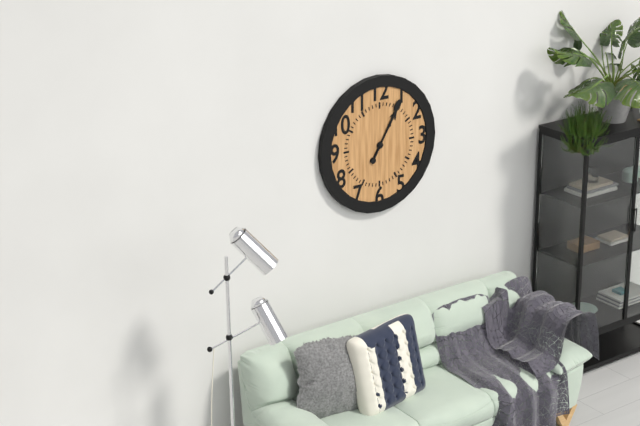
h=1 m=5
